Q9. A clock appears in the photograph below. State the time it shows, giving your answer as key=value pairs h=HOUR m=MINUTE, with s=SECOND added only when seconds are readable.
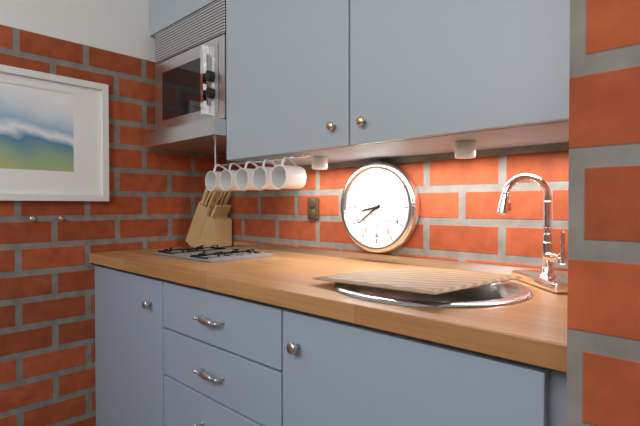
h=8 m=39
